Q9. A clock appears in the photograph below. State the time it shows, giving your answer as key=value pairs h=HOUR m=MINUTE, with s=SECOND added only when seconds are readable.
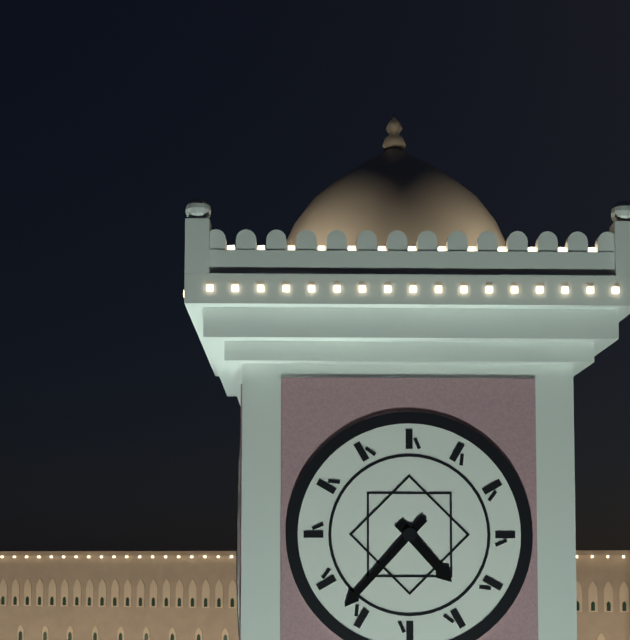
h=4 m=37
